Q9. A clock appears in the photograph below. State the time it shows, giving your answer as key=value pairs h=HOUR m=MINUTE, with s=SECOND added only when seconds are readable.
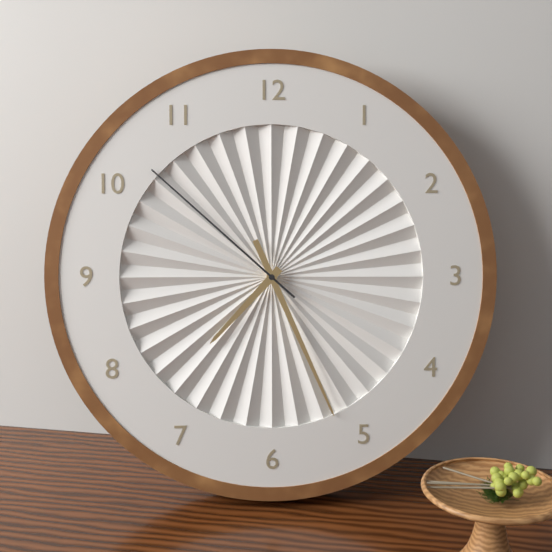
h=7 m=26 s=52
